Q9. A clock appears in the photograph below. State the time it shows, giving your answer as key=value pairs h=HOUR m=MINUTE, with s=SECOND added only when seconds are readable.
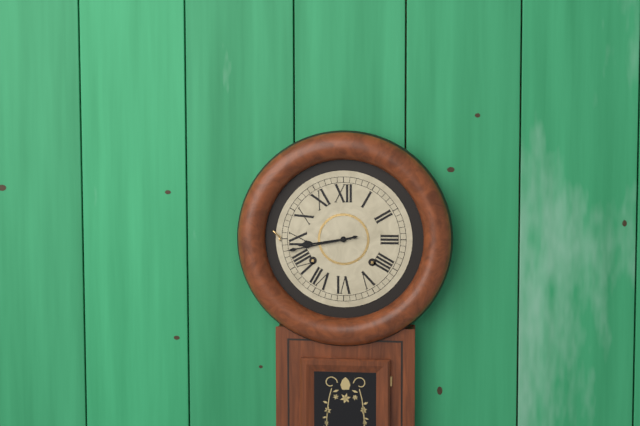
h=8 m=43
